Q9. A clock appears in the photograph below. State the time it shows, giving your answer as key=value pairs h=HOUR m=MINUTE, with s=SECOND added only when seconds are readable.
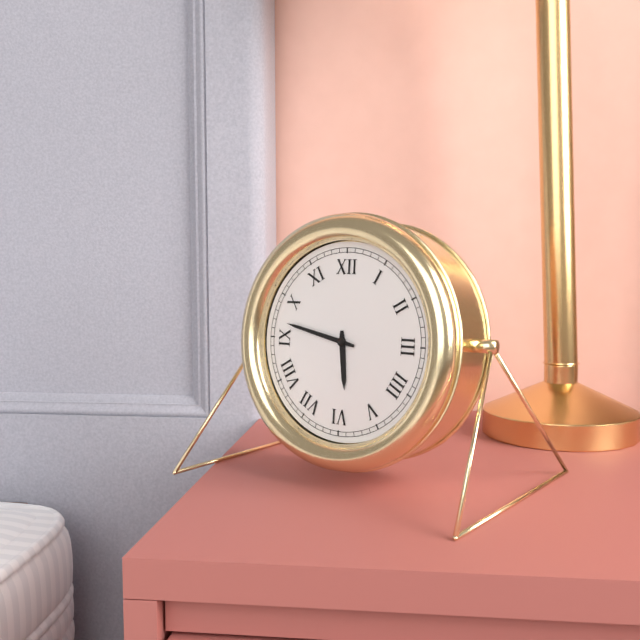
h=5 m=47
